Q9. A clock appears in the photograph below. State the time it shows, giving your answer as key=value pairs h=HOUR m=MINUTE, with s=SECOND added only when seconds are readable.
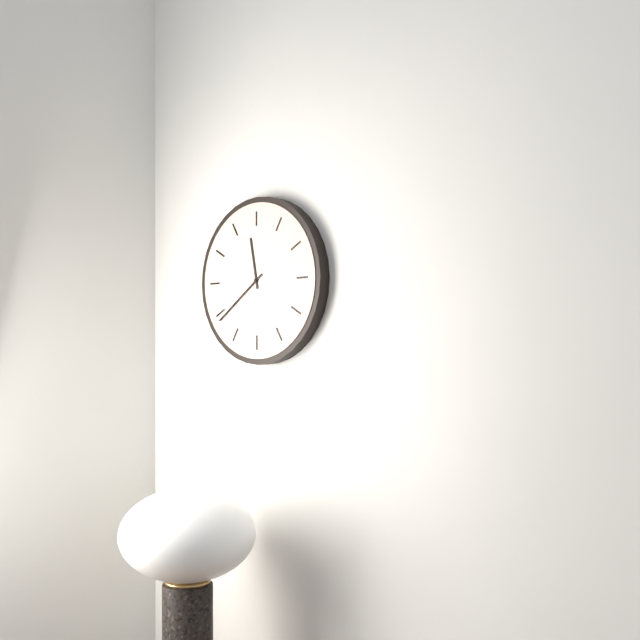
h=11 m=39
